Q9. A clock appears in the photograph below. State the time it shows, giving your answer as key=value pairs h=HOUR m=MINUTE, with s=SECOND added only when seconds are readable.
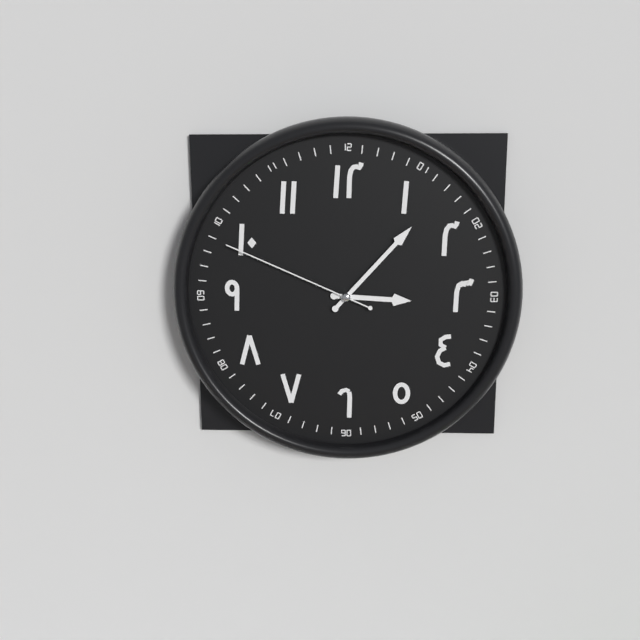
h=3 m=7 s=49
